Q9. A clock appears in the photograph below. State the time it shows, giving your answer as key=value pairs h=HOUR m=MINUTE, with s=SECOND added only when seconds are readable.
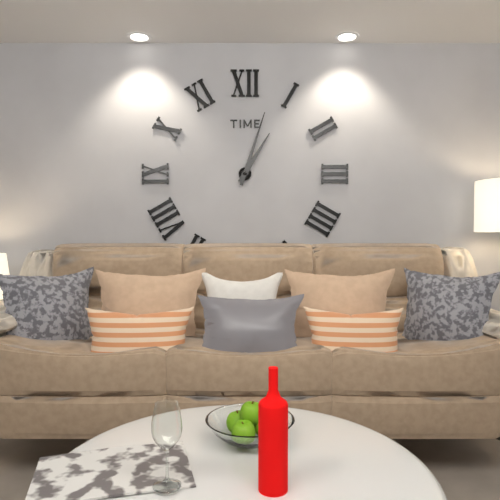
h=1 m=3
